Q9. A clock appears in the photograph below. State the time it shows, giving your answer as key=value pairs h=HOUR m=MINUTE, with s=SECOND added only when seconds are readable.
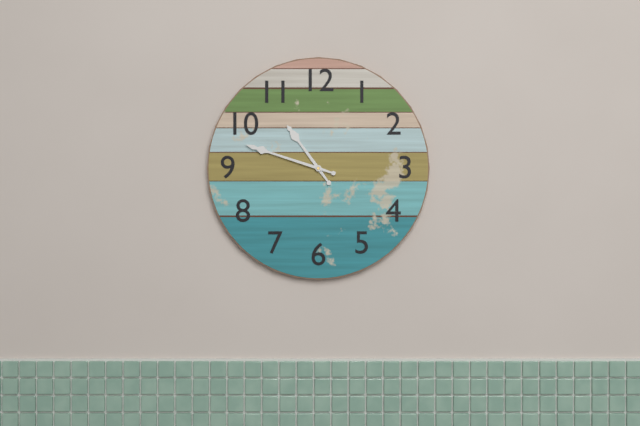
h=10 m=48
